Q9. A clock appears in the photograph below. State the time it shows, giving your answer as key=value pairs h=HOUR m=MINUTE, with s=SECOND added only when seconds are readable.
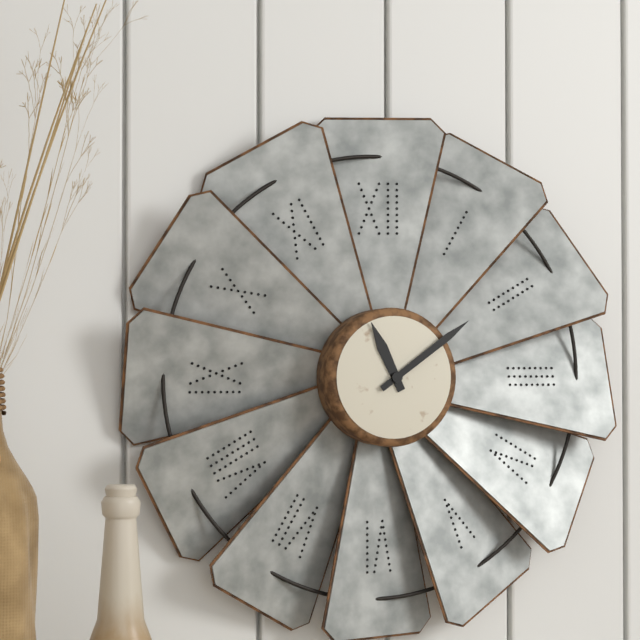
h=11 m=9
